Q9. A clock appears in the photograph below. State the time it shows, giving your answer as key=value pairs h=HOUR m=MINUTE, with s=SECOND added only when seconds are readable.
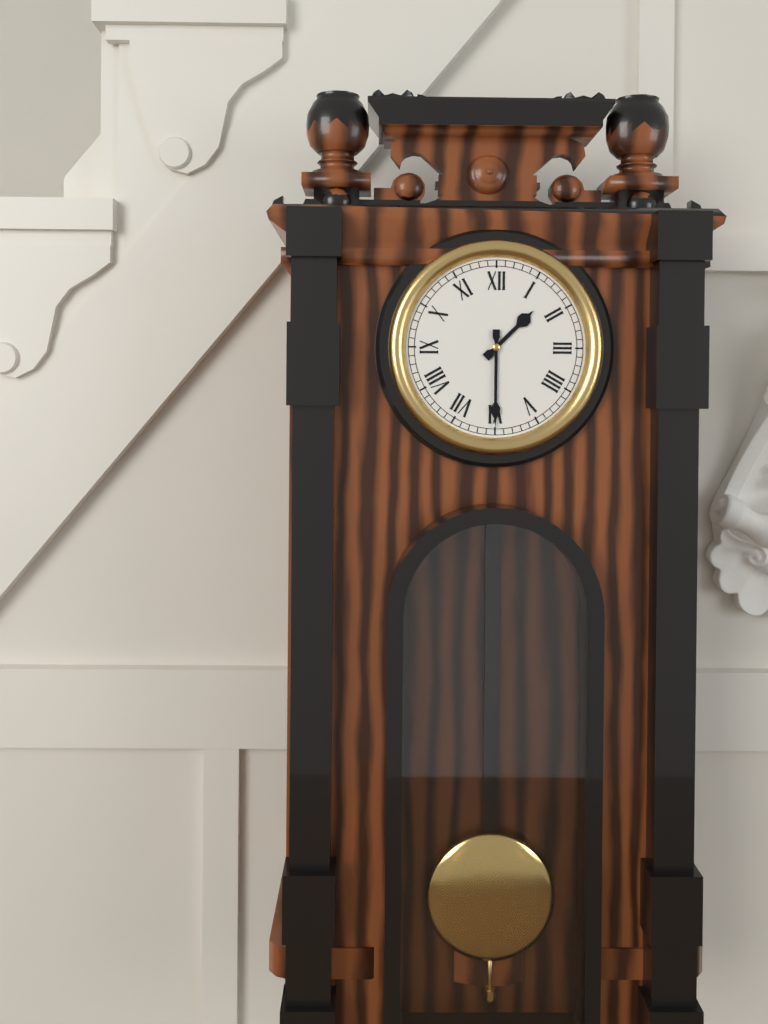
h=1 m=30
